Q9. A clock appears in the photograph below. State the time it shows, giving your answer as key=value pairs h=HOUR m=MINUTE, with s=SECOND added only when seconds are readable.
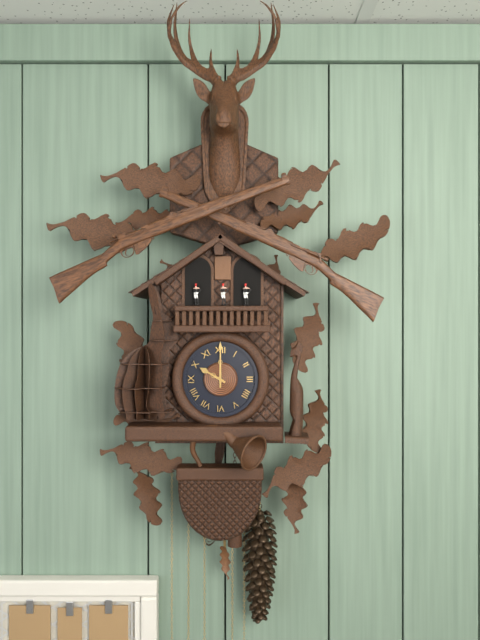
h=10 m=0
